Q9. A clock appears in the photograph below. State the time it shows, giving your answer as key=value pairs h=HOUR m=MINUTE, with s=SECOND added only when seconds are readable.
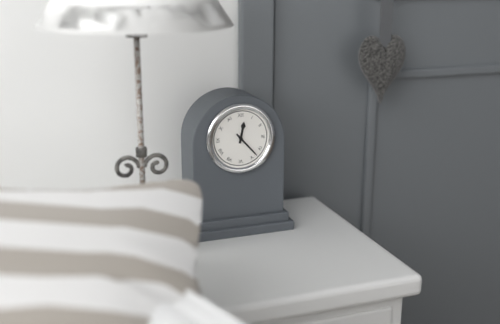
h=12 m=23
